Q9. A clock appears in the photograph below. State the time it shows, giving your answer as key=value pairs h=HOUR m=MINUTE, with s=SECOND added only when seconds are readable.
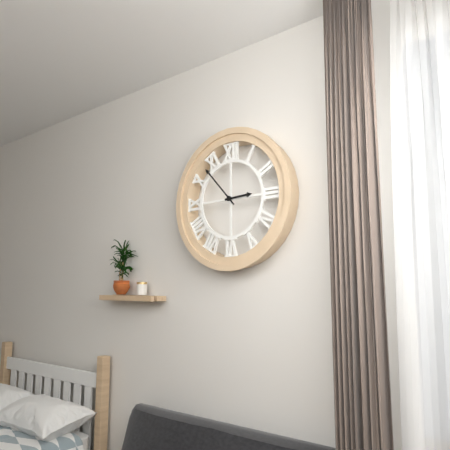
h=2 m=53
